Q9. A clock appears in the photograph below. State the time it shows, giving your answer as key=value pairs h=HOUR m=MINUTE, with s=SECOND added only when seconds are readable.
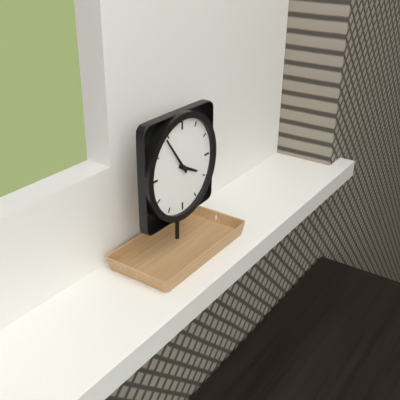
h=3 m=54
